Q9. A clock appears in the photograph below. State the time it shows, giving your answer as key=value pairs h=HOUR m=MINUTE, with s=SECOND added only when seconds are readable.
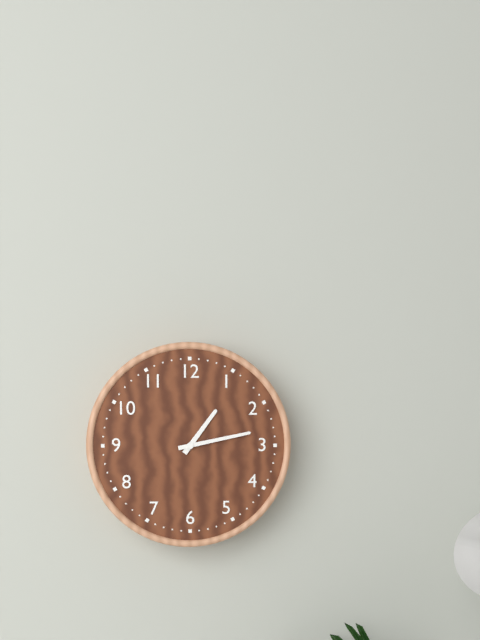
h=1 m=13
